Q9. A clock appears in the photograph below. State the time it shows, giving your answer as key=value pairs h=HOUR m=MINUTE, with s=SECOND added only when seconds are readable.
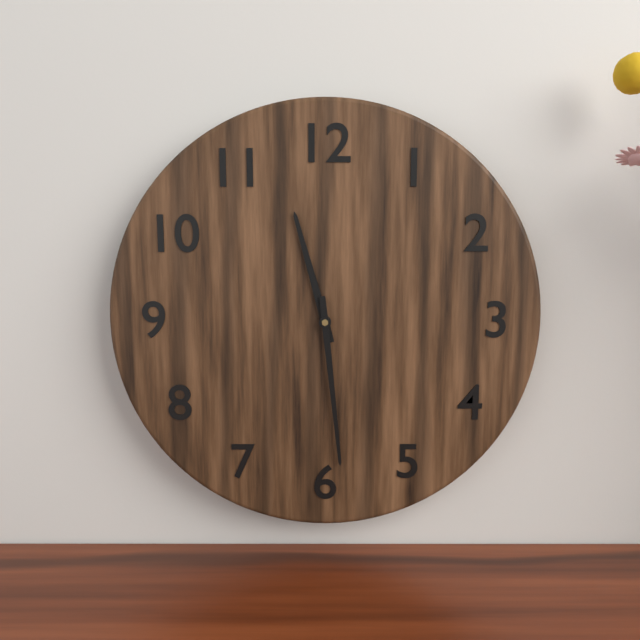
h=11 m=29
